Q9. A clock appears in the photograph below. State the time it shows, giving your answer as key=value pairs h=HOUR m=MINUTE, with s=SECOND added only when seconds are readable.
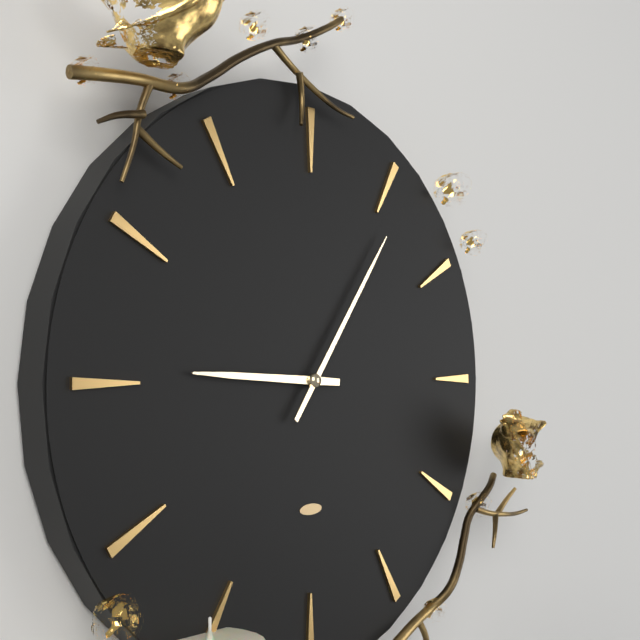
h=9 m=6
